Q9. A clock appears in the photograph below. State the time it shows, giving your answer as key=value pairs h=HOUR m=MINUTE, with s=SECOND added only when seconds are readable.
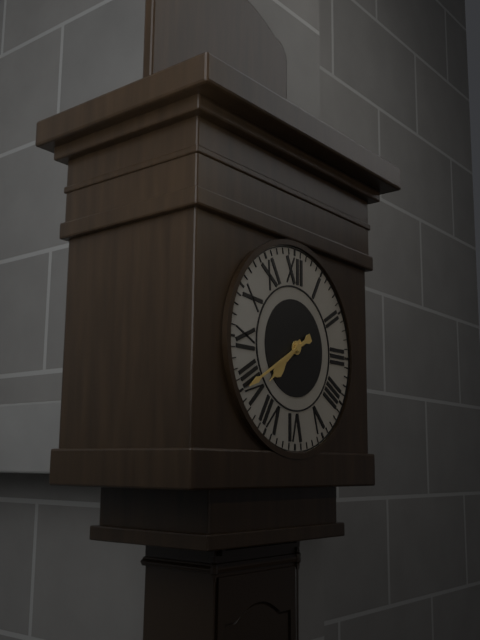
h=7 m=40
